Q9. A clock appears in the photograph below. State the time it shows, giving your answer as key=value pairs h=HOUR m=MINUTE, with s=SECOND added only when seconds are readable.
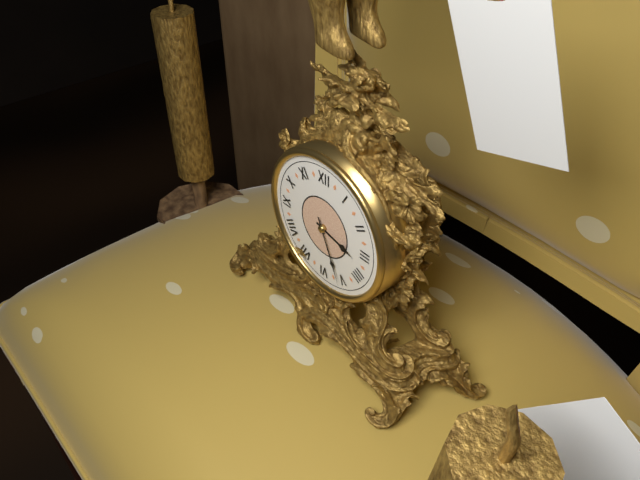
h=3 m=26
